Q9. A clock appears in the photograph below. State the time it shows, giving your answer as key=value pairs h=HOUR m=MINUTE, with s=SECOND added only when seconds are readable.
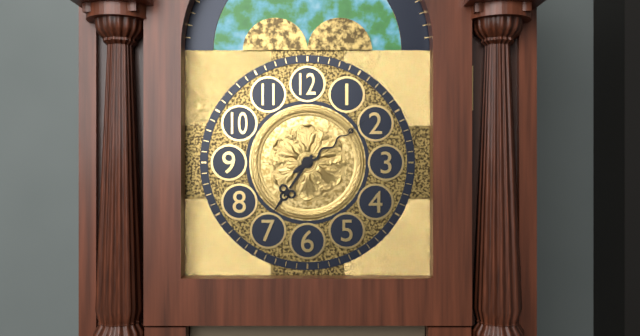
h=7 m=9
